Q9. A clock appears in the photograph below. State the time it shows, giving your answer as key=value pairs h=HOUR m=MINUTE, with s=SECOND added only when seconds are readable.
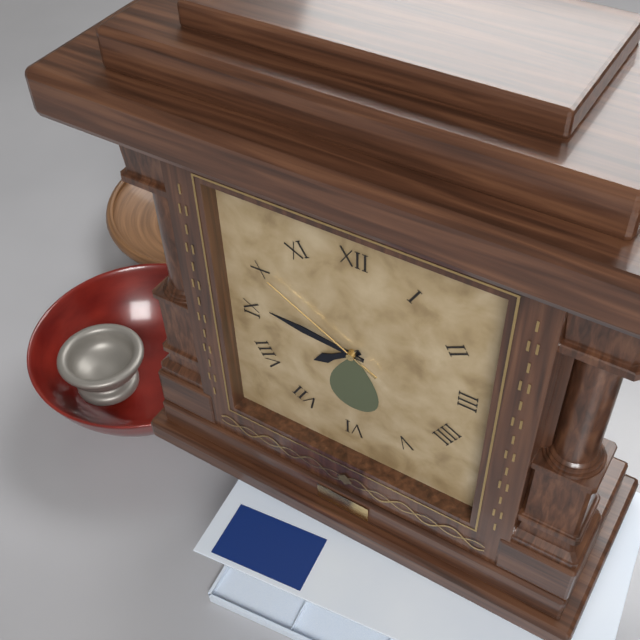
h=7 m=46 s=50
